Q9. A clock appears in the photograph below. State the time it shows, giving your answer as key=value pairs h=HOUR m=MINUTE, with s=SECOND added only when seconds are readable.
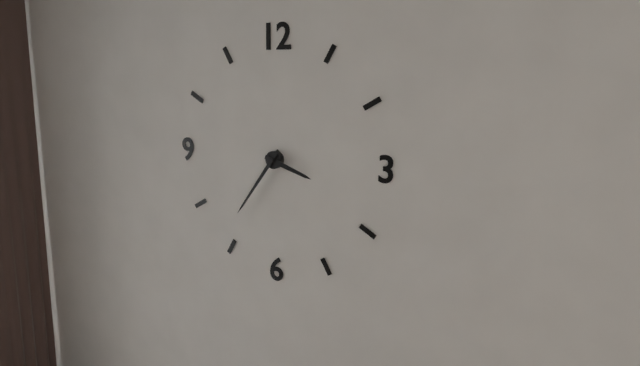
h=3 m=36
